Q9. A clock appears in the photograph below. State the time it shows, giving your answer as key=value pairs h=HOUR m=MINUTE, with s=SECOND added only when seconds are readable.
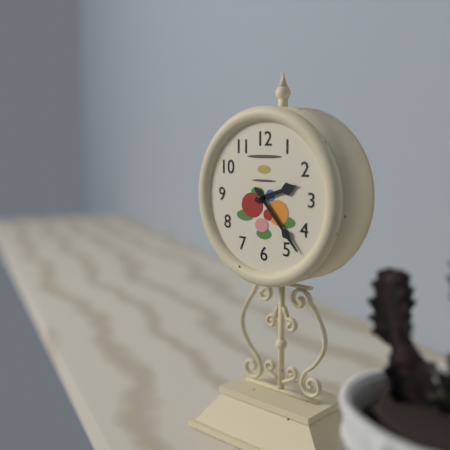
h=2 m=23
